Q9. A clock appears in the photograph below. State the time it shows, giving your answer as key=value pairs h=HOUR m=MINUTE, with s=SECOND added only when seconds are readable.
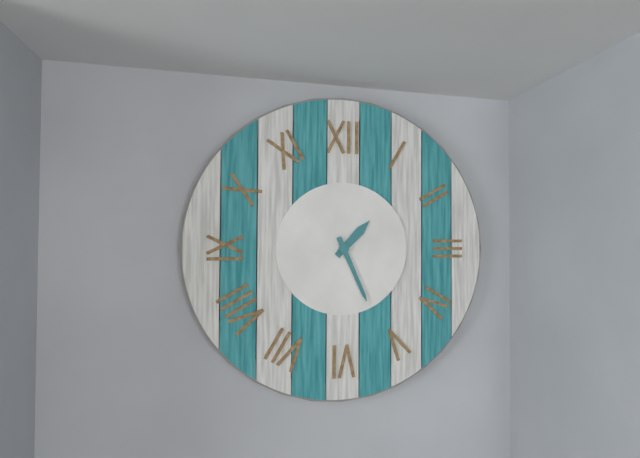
h=1 m=26
